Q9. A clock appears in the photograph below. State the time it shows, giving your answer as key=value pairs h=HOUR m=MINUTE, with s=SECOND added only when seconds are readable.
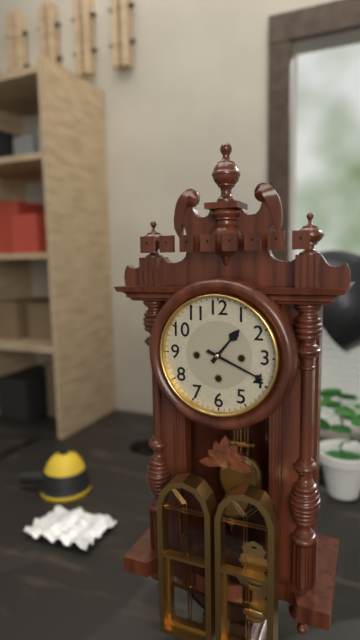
h=1 m=19
